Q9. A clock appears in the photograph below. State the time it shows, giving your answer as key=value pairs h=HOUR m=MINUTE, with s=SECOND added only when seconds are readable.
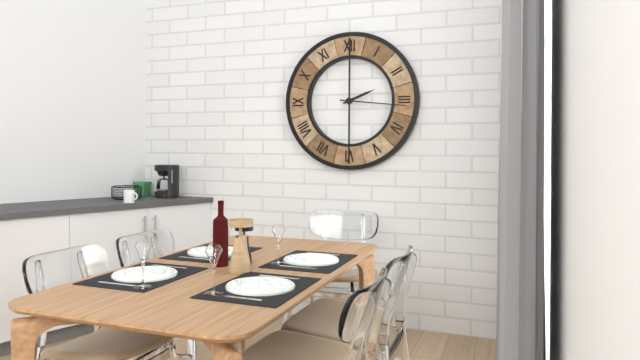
h=2 m=16
